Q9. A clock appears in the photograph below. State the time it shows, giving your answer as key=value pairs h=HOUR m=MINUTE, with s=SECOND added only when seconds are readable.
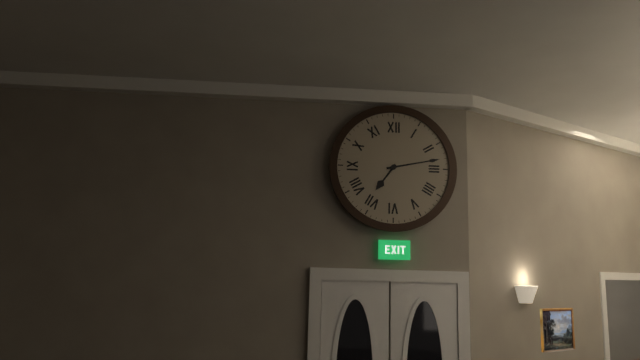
h=7 m=13
